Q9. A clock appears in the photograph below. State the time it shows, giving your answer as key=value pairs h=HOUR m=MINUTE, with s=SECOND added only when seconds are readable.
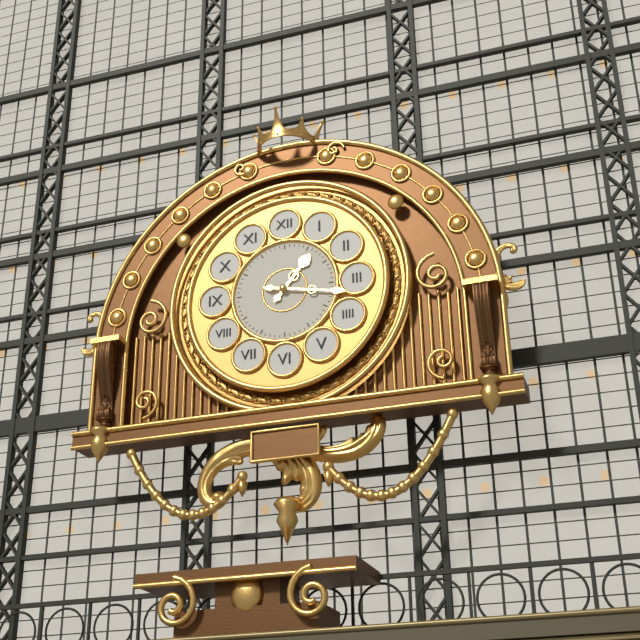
h=1 m=17
